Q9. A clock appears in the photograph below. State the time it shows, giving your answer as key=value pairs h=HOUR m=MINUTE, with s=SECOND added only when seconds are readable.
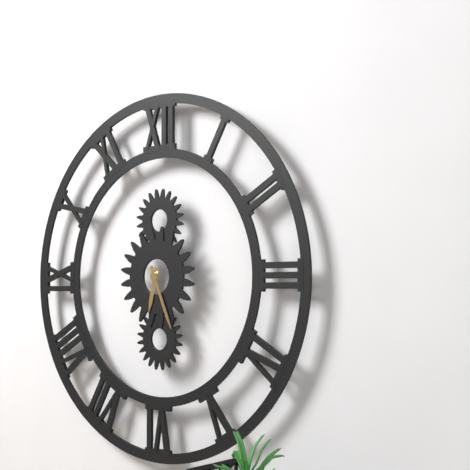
h=6 m=26
